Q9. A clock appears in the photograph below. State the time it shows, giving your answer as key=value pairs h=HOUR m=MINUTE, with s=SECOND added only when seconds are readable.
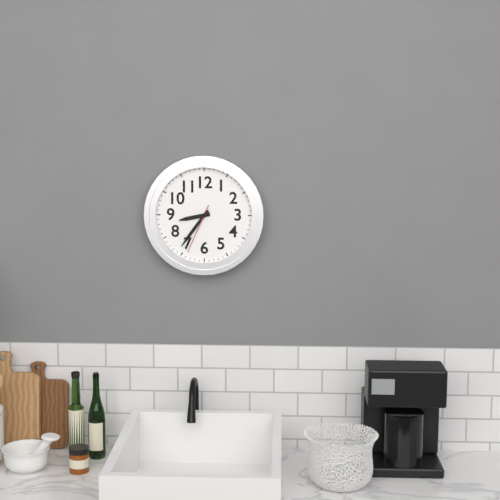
h=8 m=36 s=34
